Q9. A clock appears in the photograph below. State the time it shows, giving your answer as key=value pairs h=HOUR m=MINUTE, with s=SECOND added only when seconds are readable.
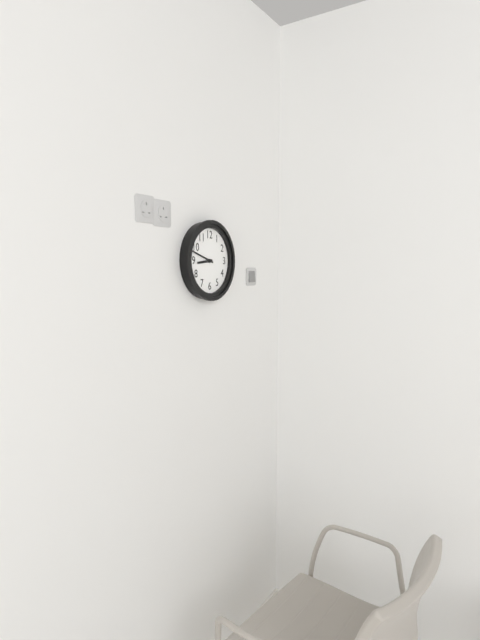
h=8 m=48
